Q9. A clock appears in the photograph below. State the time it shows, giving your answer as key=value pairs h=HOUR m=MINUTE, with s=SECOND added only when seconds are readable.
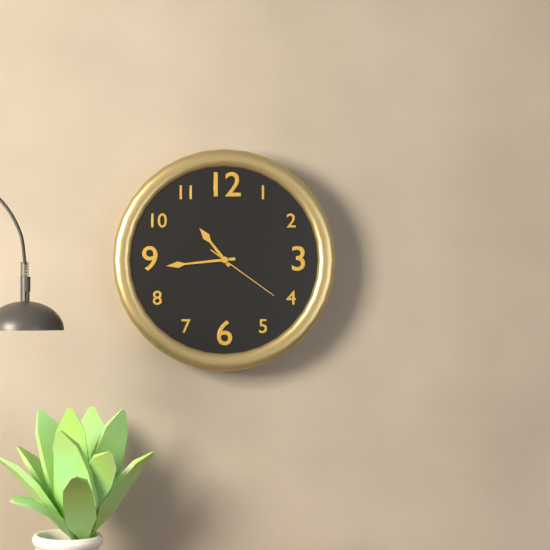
h=10 m=44 s=21
